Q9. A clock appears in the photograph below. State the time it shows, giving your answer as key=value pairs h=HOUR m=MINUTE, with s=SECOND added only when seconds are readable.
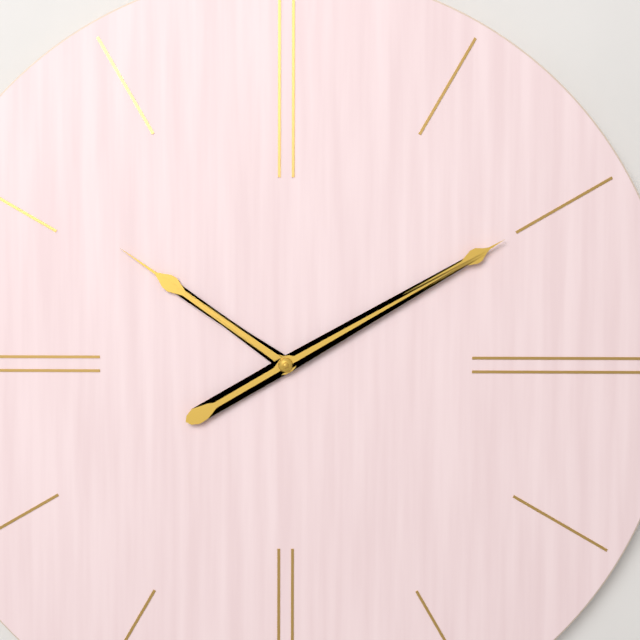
h=10 m=10
